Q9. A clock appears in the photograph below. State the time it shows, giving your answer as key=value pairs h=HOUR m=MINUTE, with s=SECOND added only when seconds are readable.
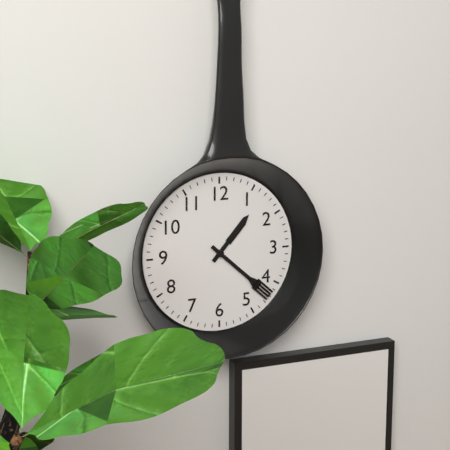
h=1 m=22
